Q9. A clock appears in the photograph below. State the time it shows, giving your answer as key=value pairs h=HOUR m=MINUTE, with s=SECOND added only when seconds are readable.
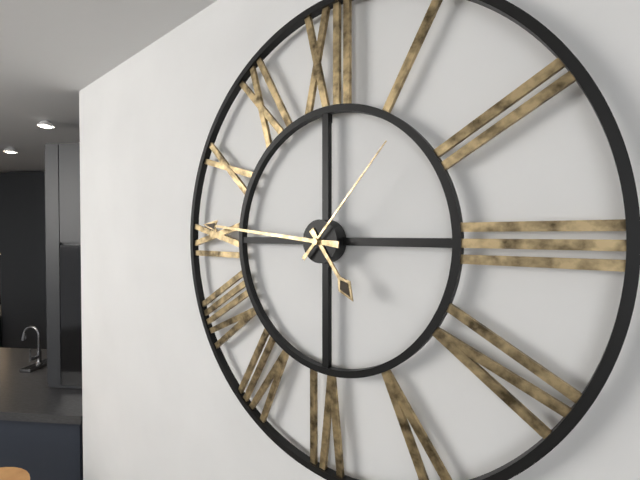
h=4 m=46 s=7
